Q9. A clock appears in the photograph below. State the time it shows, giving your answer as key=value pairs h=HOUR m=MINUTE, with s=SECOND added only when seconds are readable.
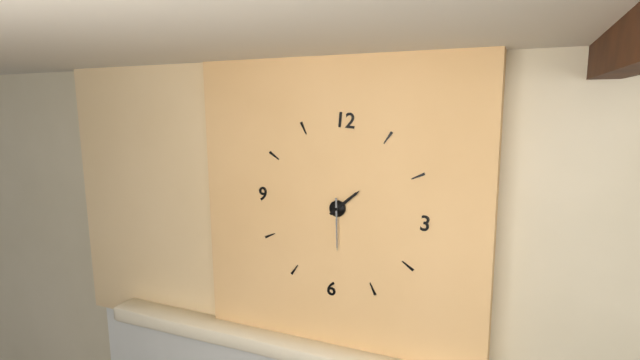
h=1 m=29
